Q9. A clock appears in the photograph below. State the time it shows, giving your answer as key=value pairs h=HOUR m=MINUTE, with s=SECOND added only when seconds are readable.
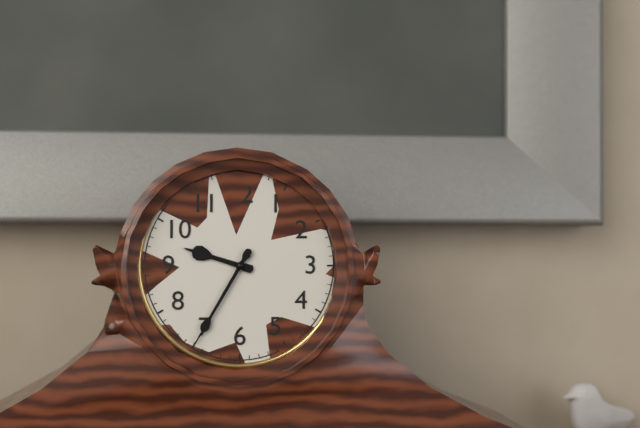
h=9 m=35
